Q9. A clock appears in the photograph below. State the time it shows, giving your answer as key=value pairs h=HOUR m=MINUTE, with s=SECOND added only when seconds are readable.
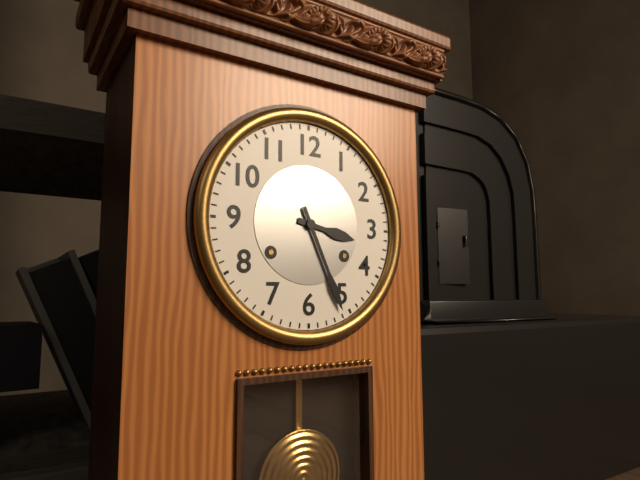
h=3 m=26
